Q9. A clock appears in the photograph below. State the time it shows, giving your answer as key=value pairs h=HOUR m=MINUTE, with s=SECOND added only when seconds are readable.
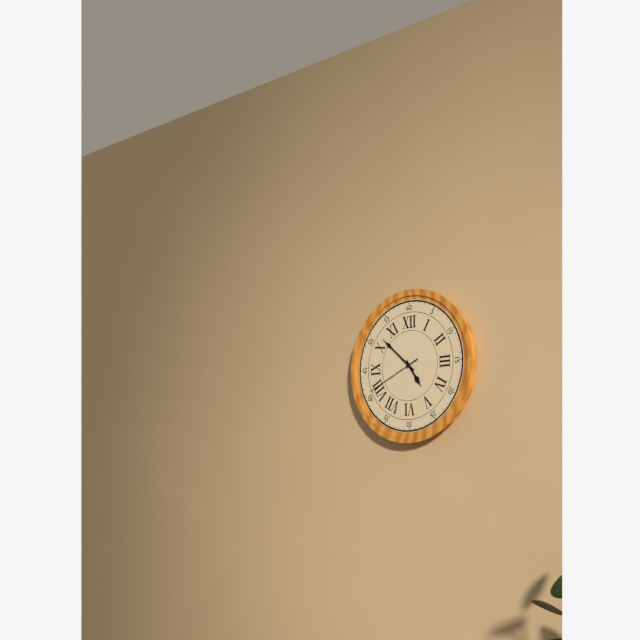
h=4 m=52 s=41
